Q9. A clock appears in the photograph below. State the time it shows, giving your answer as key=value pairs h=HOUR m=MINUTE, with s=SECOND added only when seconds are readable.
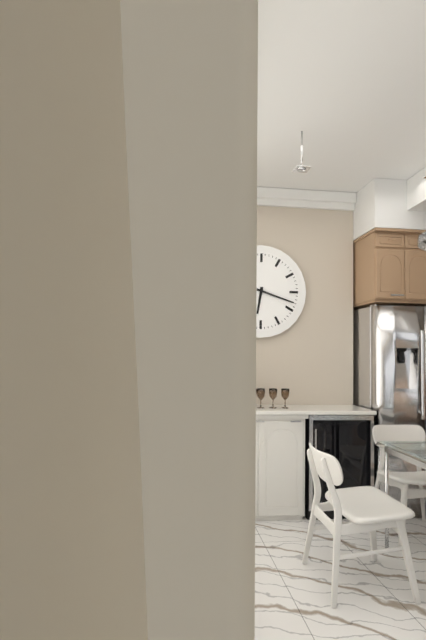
h=6 m=18
